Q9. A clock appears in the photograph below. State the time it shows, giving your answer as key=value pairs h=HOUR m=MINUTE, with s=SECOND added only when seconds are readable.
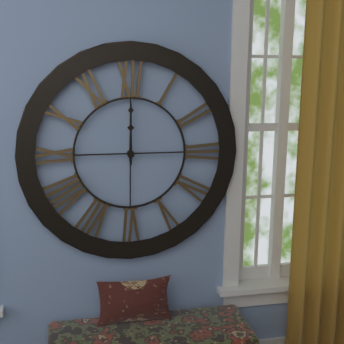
h=12 m=0
